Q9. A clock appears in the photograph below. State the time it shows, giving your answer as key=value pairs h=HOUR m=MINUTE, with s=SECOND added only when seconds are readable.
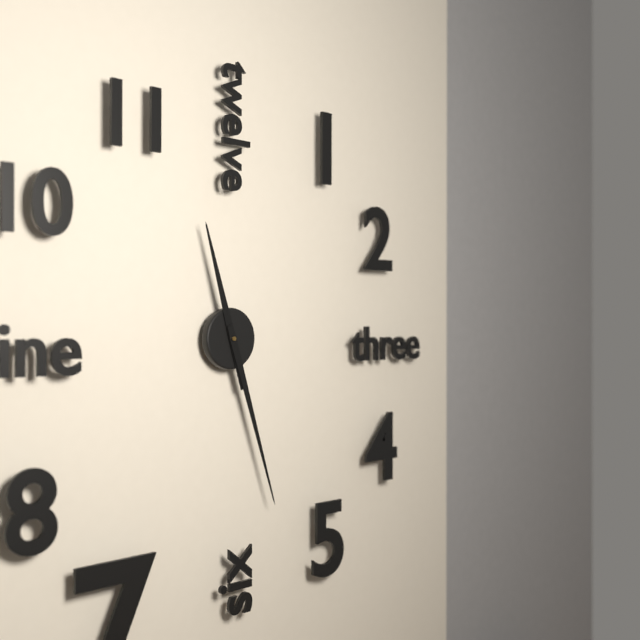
h=11 m=27
